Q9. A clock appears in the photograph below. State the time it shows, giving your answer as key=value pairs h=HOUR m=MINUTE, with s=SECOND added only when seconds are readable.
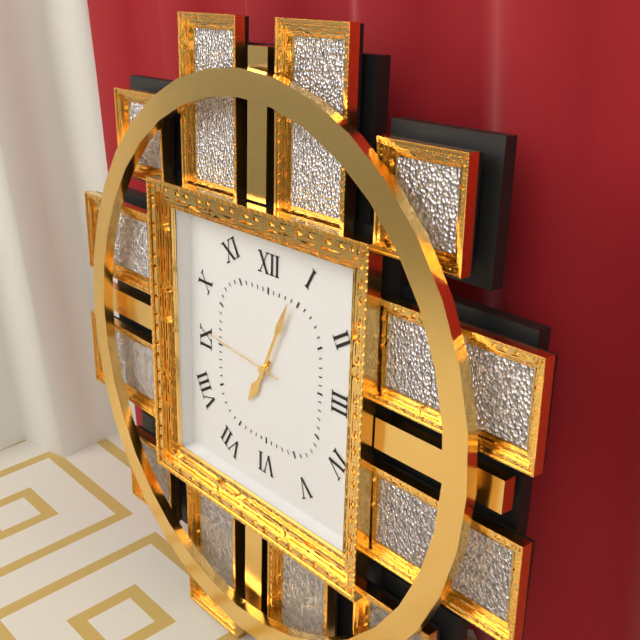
h=7 m=4 s=46
